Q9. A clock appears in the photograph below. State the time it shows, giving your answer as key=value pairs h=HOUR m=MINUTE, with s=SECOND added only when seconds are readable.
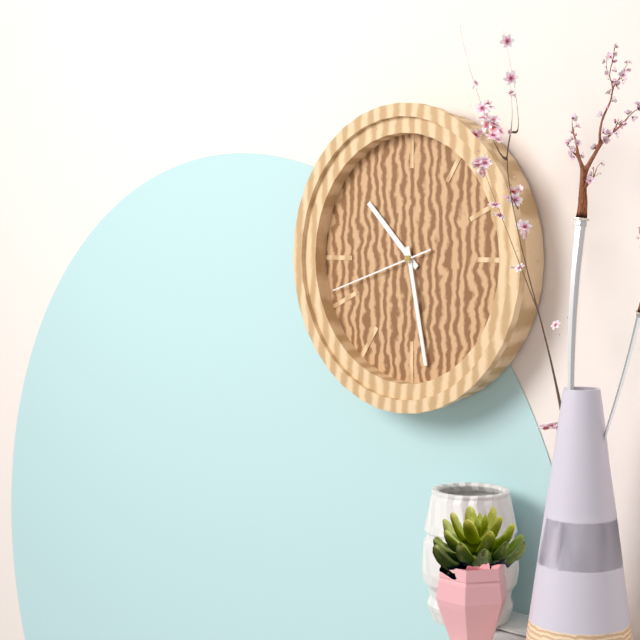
h=10 m=28 s=42
